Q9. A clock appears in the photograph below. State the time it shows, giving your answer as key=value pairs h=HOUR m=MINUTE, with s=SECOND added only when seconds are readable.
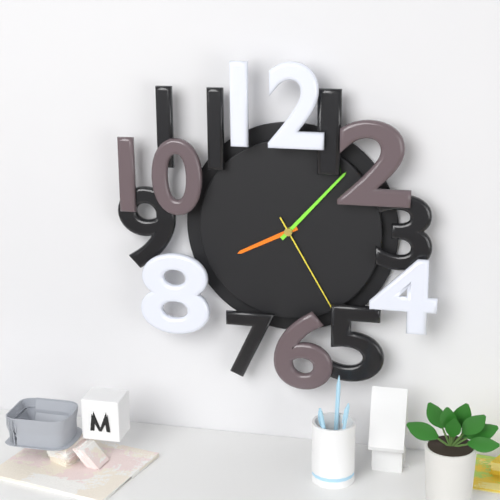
h=8 m=7 s=25
